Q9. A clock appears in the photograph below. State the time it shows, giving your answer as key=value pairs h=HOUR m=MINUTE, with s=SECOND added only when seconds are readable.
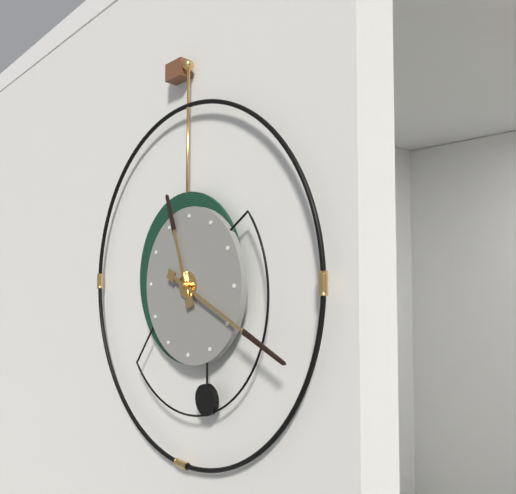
h=11 m=19
